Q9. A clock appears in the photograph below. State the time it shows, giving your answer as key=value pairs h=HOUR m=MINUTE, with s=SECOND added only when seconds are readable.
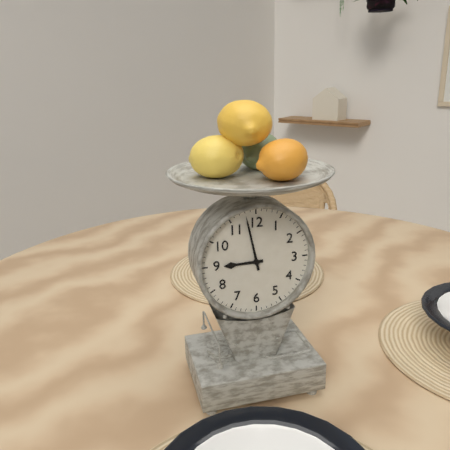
h=8 m=58
